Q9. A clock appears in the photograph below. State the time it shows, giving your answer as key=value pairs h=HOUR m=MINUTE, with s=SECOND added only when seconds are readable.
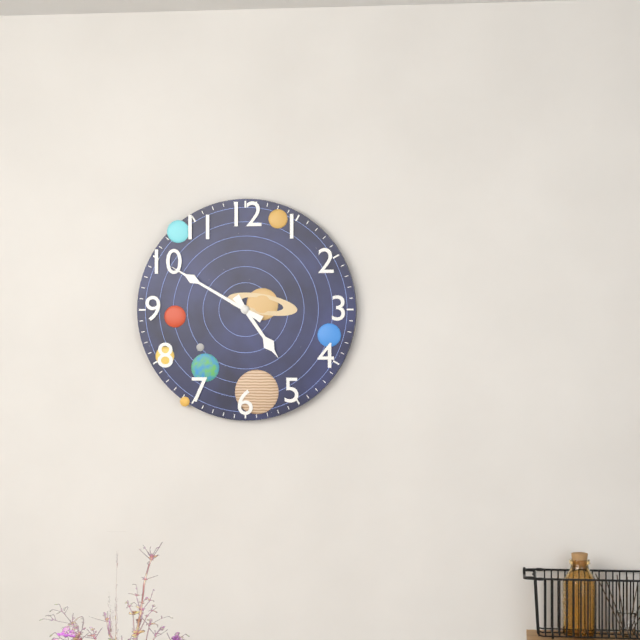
h=4 m=50
